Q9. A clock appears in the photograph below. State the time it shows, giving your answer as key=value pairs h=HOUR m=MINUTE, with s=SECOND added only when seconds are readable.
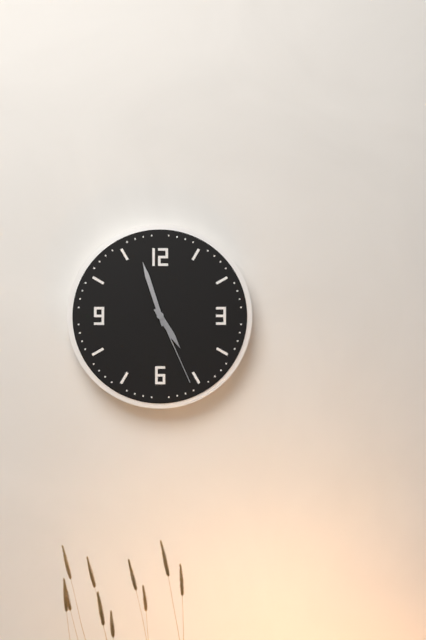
h=4 m=57 s=26
